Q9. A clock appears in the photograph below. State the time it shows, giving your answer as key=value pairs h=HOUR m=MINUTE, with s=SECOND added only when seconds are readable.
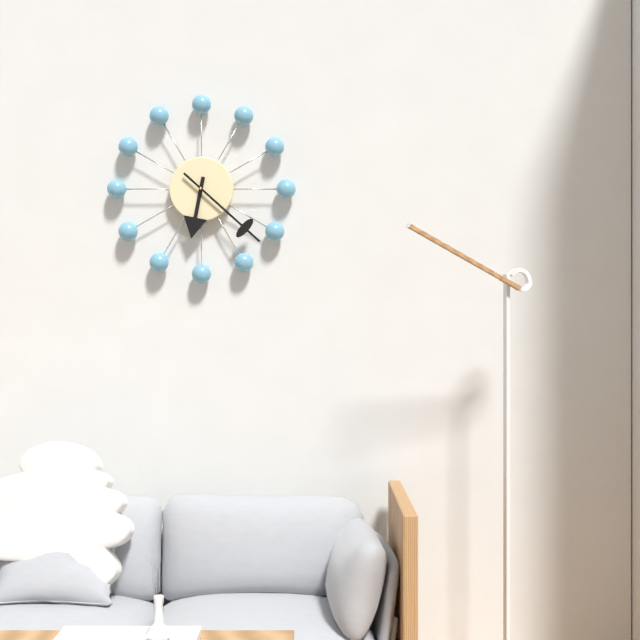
h=6 m=22
